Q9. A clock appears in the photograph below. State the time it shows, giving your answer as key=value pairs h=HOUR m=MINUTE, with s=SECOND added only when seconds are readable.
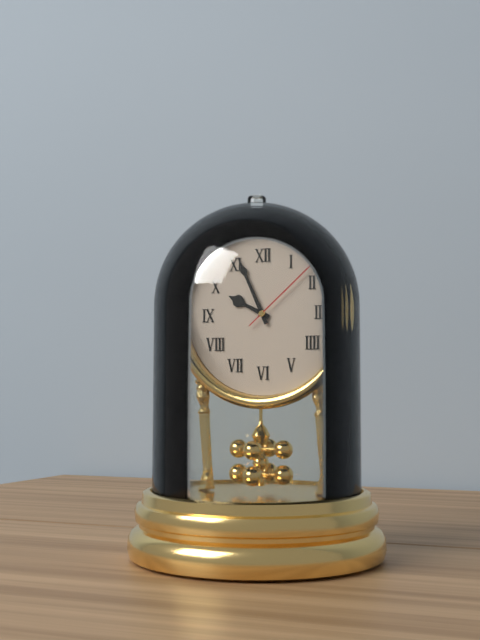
h=9 m=56 s=8
